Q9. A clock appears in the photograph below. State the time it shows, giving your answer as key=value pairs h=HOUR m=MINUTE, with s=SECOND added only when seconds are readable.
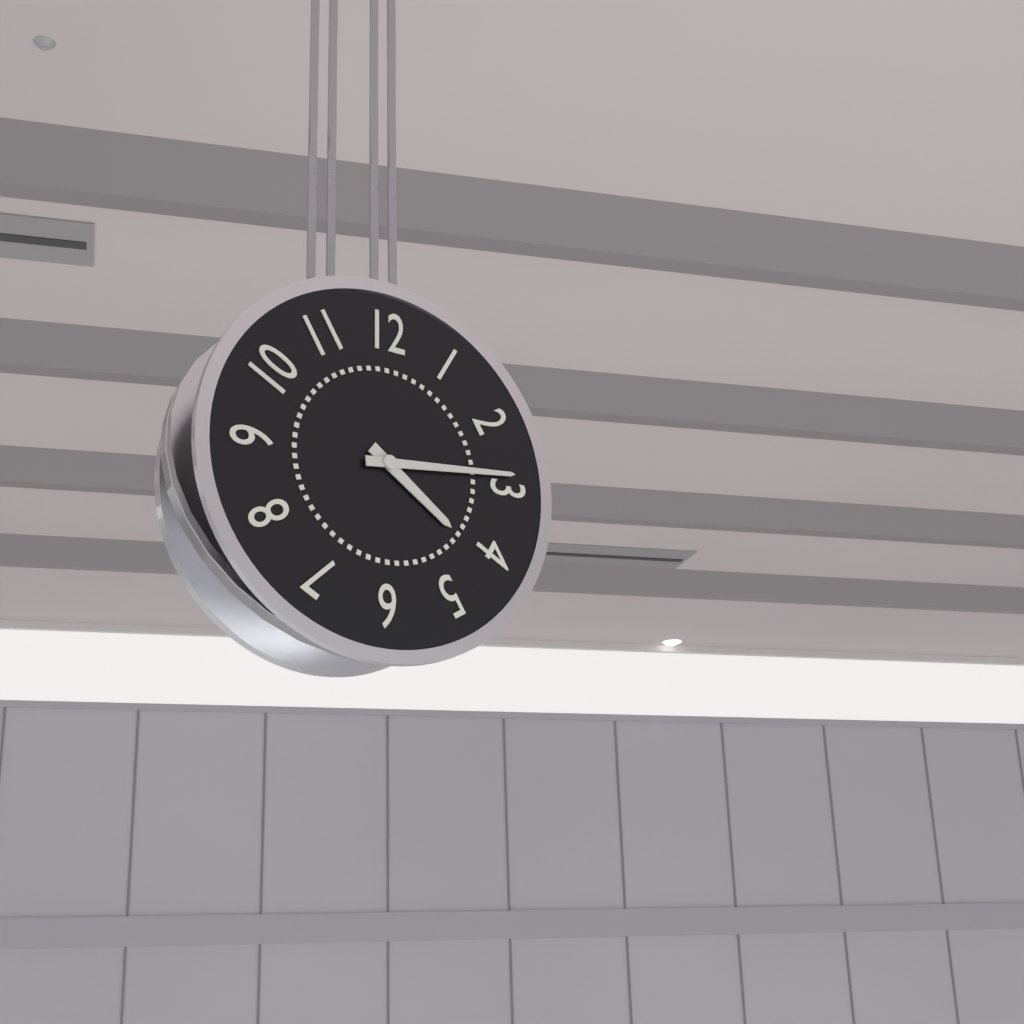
h=4 m=14
